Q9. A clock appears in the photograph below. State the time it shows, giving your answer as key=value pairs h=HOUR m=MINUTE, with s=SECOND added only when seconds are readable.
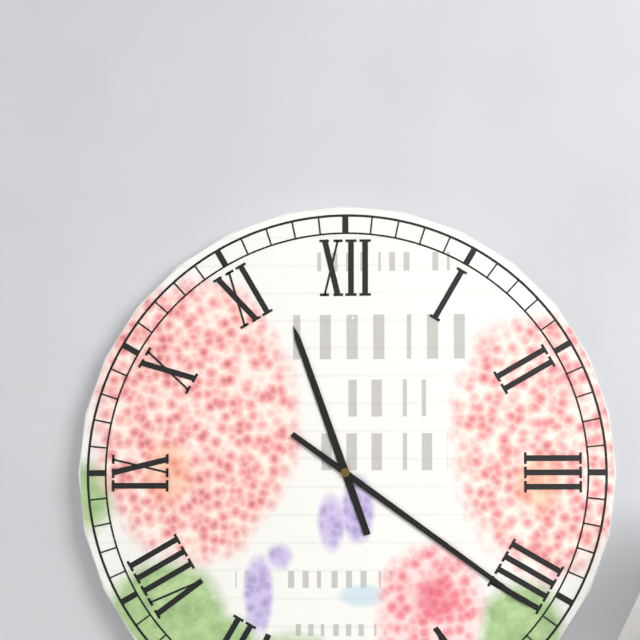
h=11 m=21
